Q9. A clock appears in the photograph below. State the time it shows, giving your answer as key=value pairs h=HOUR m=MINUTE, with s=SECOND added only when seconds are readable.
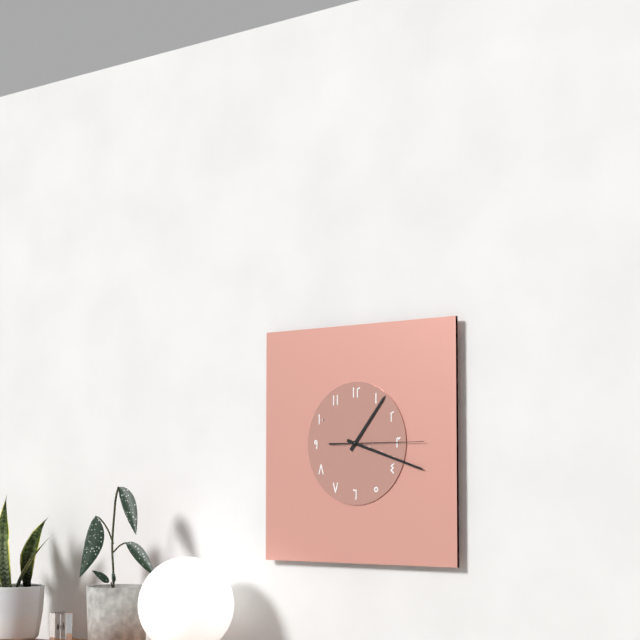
h=1 m=18 s=15
